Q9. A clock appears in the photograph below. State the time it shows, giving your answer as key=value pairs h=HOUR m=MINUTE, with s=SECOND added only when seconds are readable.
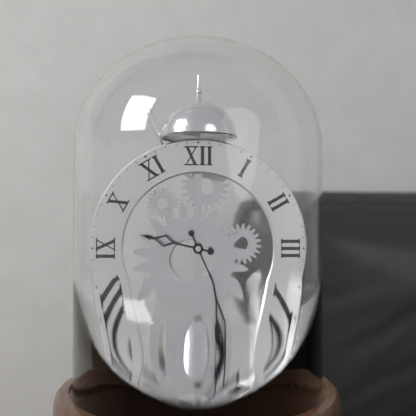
h=9 m=26
